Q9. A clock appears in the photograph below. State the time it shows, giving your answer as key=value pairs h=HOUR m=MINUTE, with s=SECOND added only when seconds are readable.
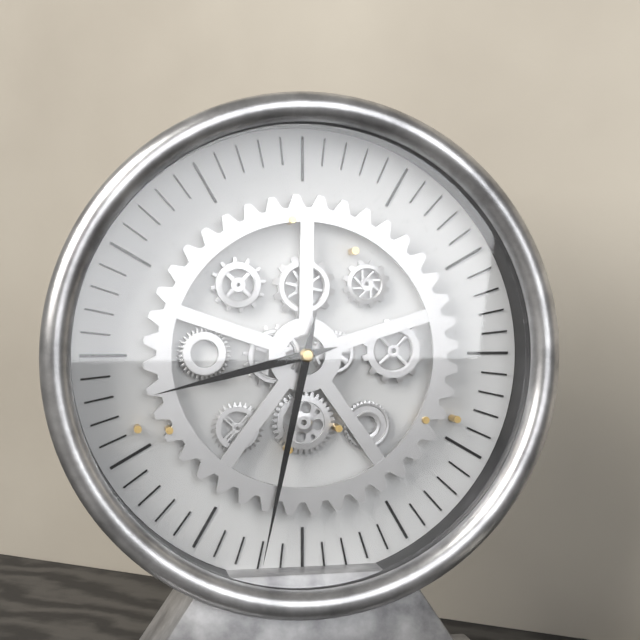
h=8 m=32
